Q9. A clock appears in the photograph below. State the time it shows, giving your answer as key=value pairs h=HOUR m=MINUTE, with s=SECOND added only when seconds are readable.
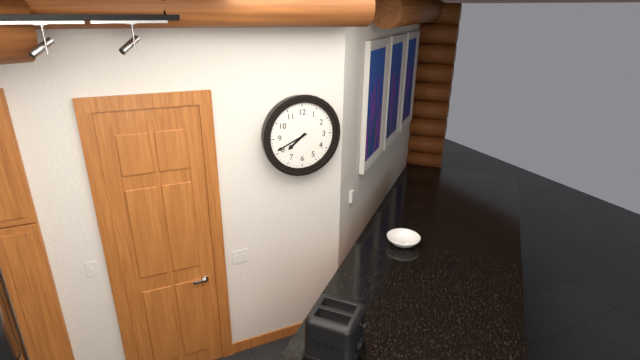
h=7 m=41
